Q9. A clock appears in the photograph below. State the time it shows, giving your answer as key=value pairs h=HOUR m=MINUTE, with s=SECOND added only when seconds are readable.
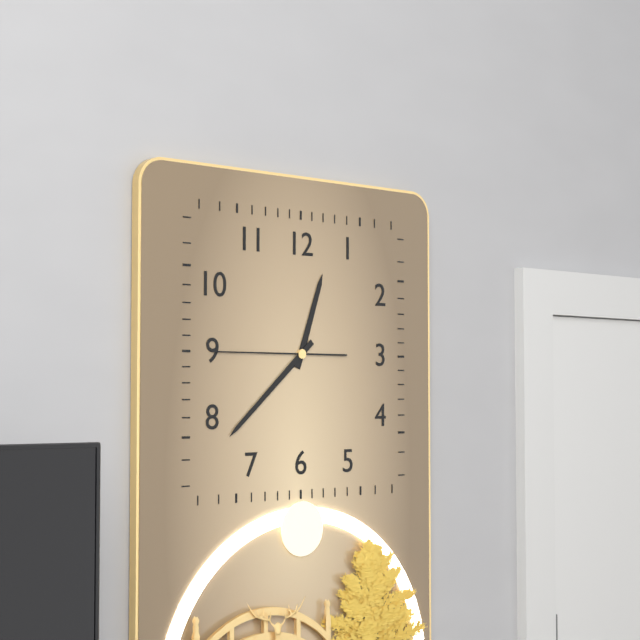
h=12 m=38 s=45
